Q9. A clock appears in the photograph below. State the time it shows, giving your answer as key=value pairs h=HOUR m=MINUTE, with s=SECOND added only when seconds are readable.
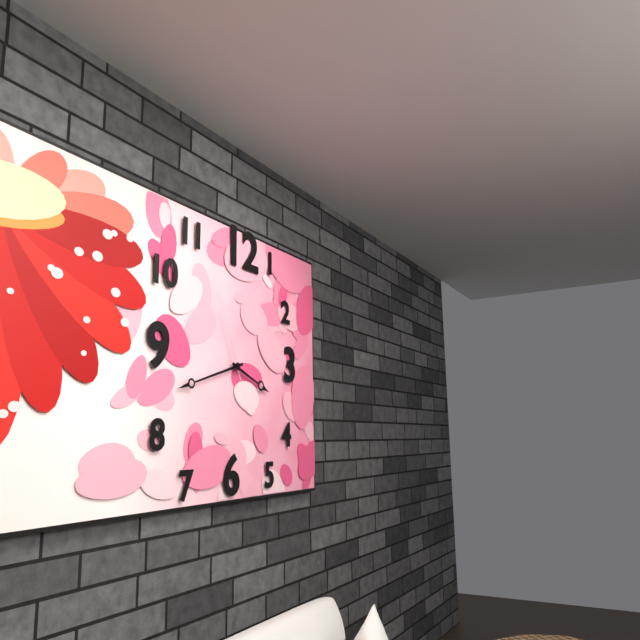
h=3 m=42 s=56
